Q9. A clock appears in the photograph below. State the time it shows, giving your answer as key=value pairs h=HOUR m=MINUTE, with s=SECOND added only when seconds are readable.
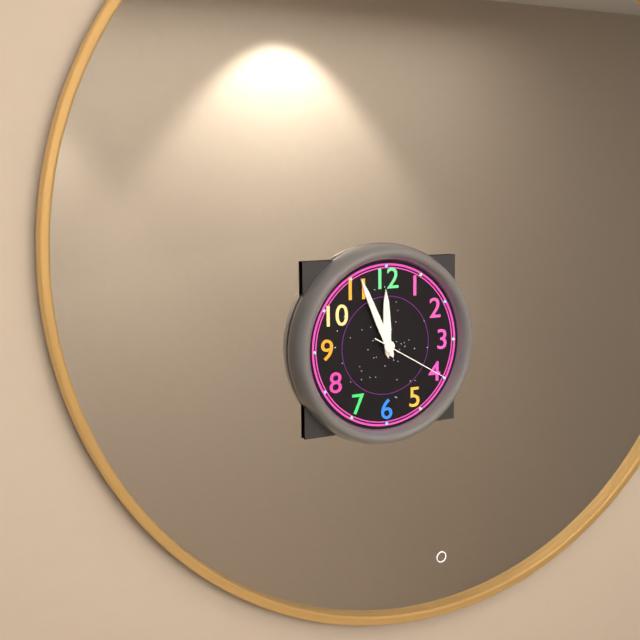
h=11 m=56 s=20
